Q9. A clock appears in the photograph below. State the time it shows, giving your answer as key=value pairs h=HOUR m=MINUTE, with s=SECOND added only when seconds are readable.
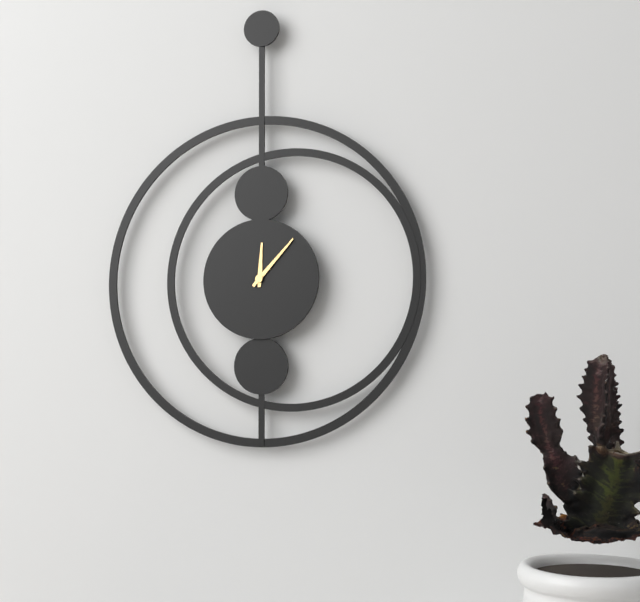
h=12 m=7
